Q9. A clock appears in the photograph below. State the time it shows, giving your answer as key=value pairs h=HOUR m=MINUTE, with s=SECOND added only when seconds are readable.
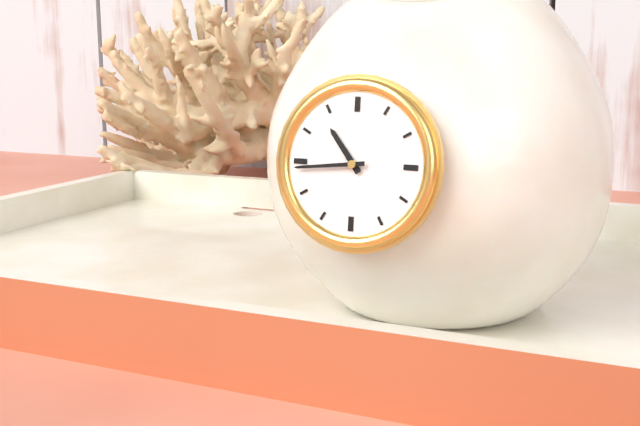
h=10 m=44
